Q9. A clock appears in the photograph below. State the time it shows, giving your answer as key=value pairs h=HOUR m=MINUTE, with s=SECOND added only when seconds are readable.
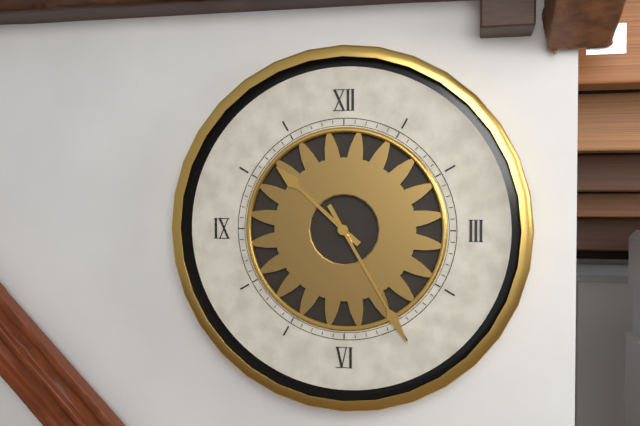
h=10 m=25
